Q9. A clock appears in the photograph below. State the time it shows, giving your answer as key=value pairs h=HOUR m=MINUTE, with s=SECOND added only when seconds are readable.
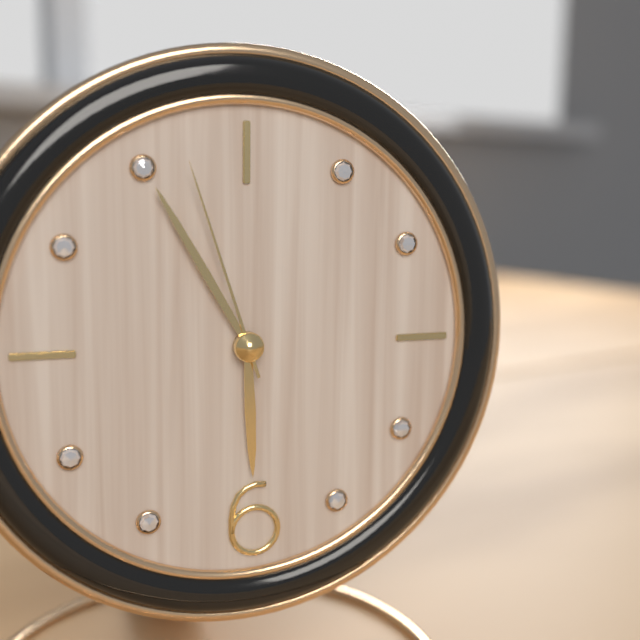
h=5 m=55 s=57
